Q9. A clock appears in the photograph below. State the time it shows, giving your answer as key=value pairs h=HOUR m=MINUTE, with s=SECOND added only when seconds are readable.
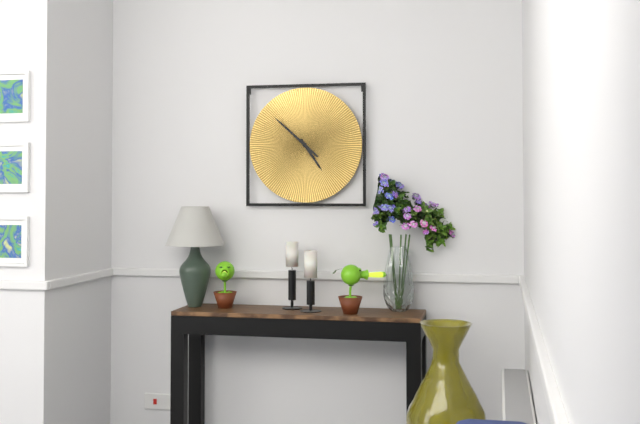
h=4 m=52
